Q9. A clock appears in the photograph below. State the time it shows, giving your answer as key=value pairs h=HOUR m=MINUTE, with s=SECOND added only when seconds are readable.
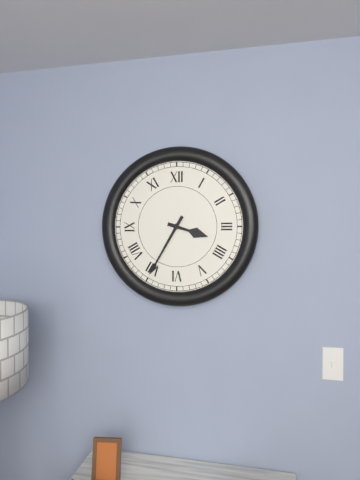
h=3 m=35
